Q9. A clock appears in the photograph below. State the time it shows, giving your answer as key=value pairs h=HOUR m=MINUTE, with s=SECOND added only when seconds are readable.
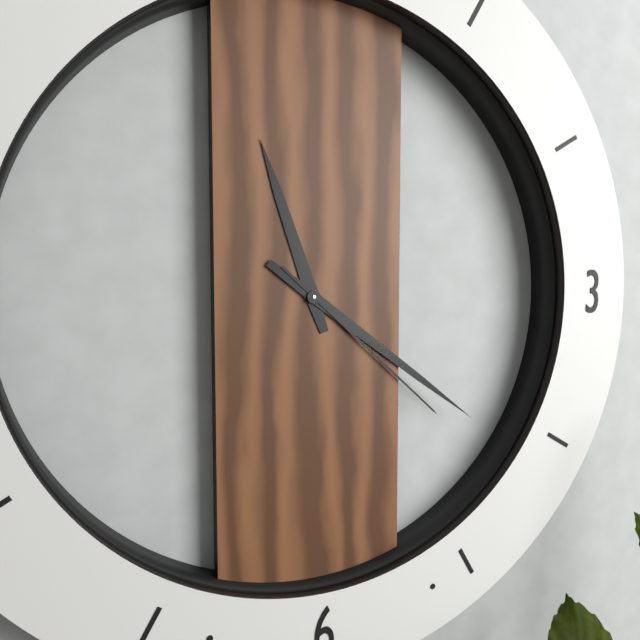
h=11 m=21 s=22
